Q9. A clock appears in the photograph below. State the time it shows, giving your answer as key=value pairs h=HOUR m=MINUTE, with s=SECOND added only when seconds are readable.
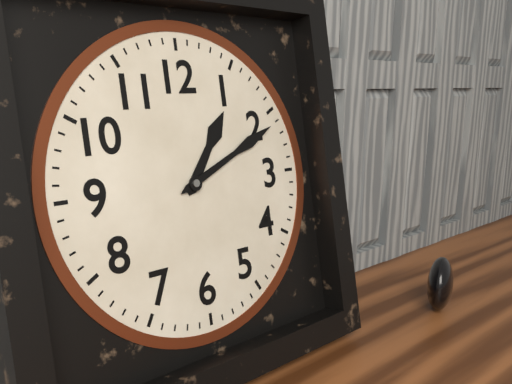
h=1 m=11
